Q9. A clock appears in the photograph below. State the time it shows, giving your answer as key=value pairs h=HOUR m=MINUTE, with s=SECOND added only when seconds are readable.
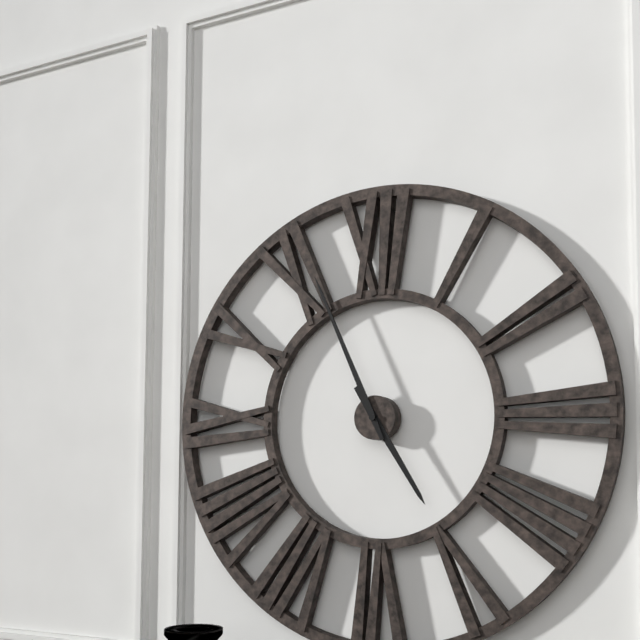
h=4 m=56
